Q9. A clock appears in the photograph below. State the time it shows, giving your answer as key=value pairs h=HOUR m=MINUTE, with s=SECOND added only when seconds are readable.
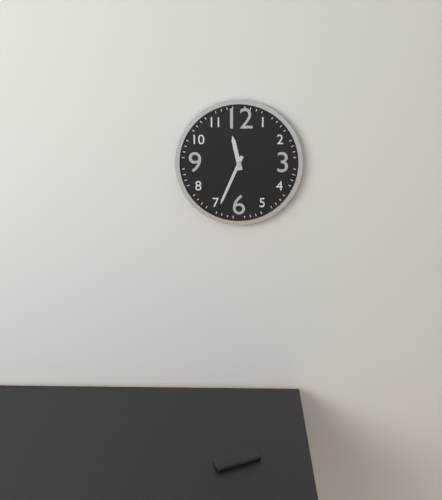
h=11 m=34
